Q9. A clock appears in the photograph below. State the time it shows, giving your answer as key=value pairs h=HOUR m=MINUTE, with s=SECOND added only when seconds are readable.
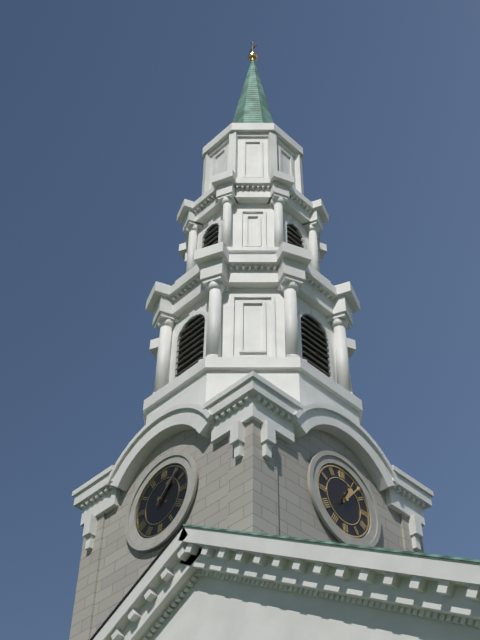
h=1 m=7
